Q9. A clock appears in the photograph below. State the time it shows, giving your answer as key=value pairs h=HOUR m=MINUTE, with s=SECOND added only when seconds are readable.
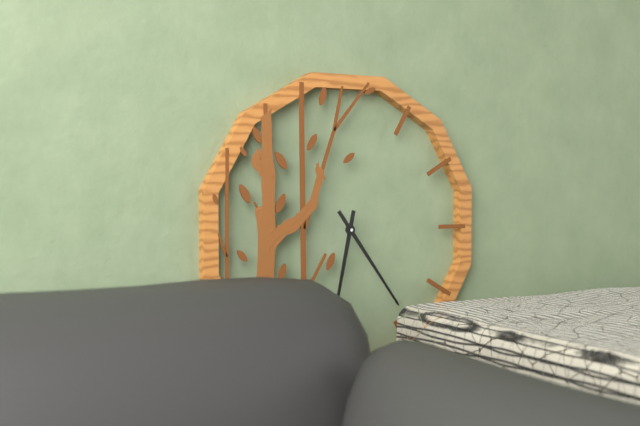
h=6 m=24
